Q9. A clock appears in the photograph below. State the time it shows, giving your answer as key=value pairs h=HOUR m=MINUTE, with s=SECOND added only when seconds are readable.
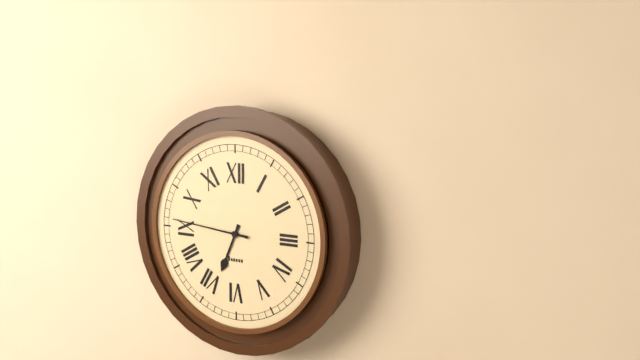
h=6 m=46
